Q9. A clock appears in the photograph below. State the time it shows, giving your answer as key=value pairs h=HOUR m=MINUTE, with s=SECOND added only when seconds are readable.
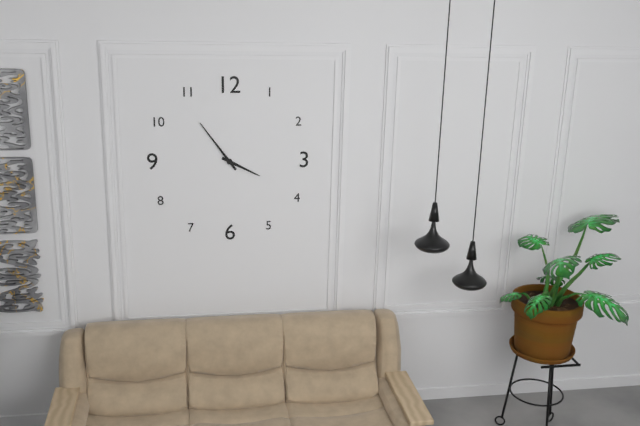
h=3 m=54
